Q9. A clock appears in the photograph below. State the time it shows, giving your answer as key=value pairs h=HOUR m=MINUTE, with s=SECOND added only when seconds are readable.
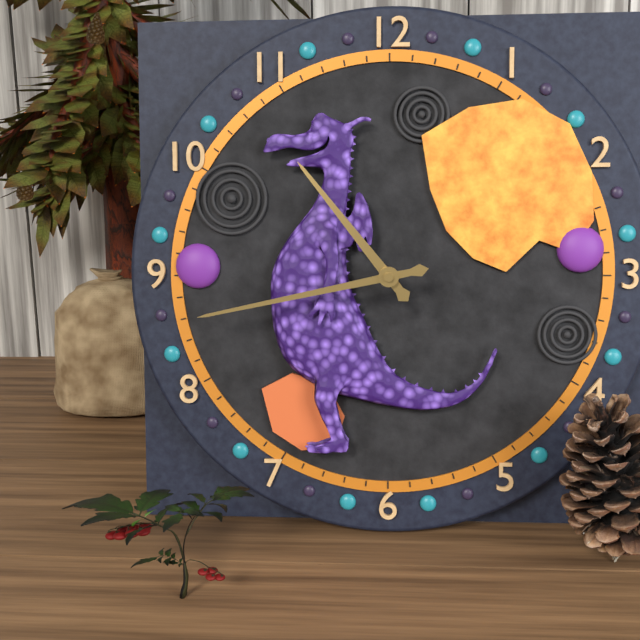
h=10 m=43
